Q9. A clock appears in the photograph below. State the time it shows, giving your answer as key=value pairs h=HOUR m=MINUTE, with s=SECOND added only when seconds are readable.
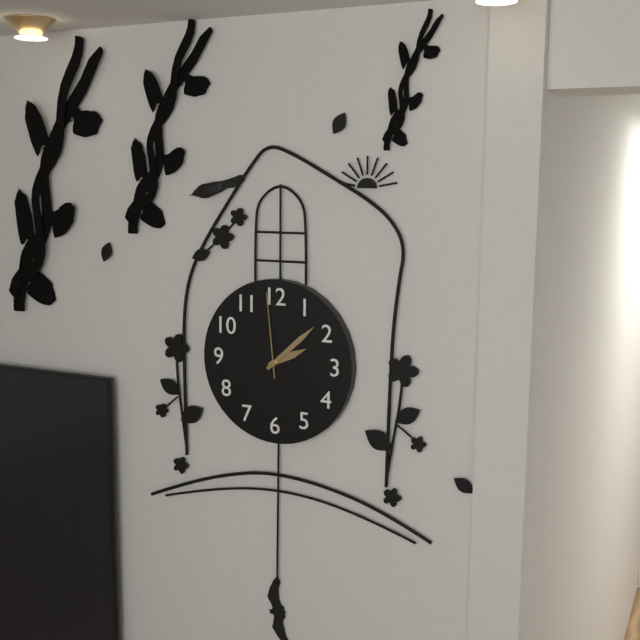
h=2 m=8 s=59
